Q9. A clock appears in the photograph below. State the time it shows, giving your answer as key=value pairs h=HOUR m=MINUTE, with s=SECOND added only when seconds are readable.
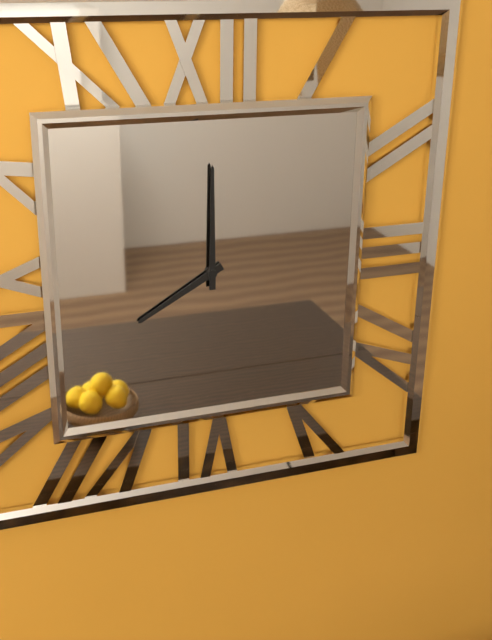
h=8 m=0
